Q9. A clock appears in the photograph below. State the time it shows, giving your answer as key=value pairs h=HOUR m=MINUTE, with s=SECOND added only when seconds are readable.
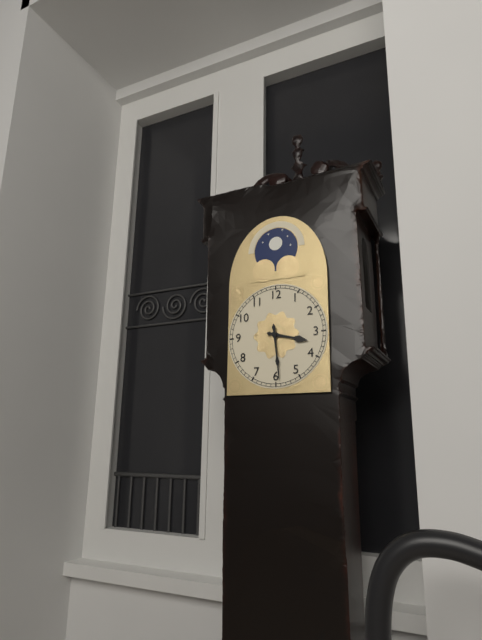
h=3 m=29
